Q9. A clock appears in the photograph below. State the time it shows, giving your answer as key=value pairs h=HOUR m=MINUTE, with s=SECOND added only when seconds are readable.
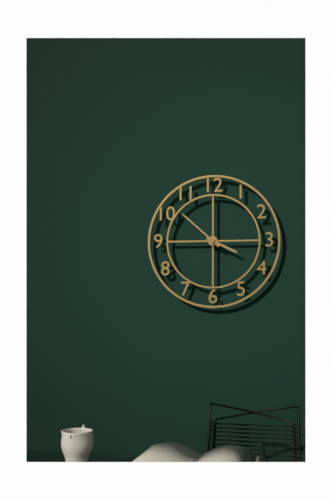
h=3 m=52
